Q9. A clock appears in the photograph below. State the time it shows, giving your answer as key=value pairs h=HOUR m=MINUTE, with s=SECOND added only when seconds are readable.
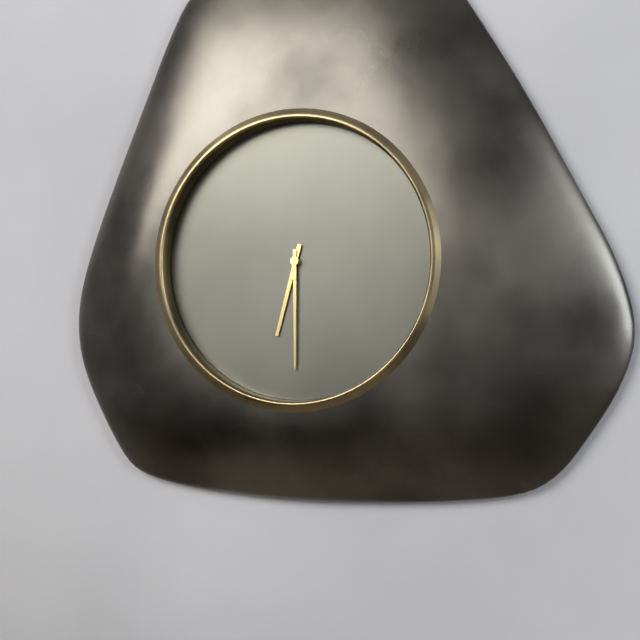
h=6 m=30
